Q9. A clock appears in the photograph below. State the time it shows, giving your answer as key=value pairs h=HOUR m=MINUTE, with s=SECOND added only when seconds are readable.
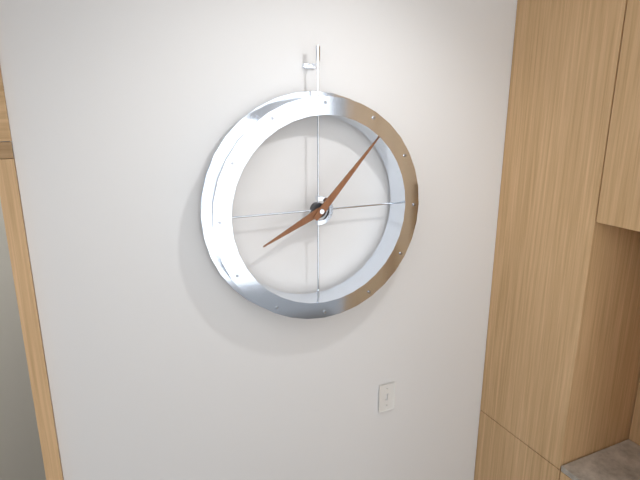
h=8 m=7
